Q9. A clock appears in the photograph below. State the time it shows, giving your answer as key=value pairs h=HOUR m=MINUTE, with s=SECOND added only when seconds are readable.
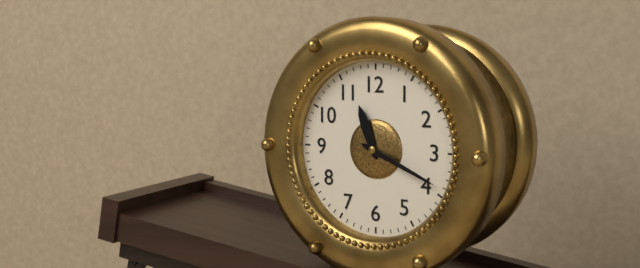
h=11 m=19
